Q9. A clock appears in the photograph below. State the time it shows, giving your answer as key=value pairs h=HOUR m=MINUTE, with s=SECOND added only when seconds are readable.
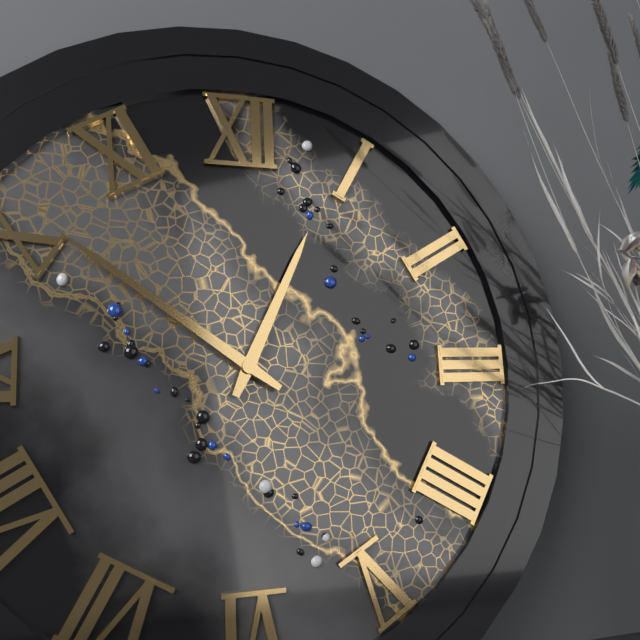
h=12 m=51
